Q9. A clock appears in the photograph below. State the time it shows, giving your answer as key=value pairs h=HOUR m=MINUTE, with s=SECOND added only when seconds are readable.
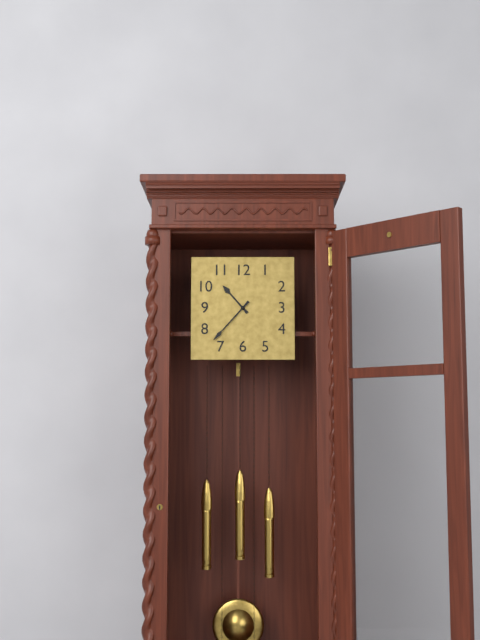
h=10 m=37
